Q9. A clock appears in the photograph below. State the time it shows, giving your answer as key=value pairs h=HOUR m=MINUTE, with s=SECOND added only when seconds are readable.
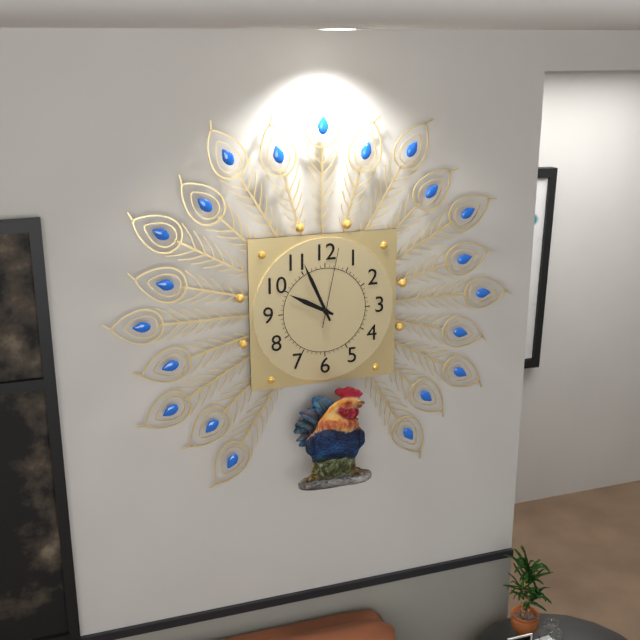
h=9 m=56 s=2
